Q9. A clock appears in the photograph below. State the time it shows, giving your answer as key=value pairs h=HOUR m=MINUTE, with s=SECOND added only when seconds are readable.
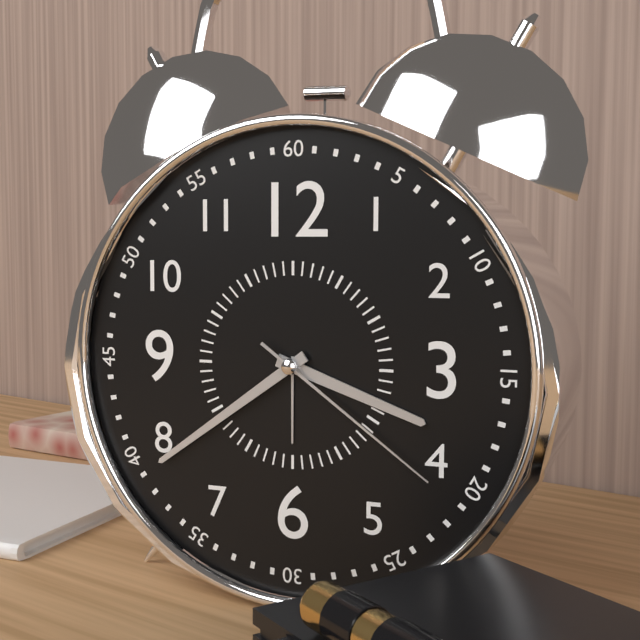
h=3 m=39 s=21
